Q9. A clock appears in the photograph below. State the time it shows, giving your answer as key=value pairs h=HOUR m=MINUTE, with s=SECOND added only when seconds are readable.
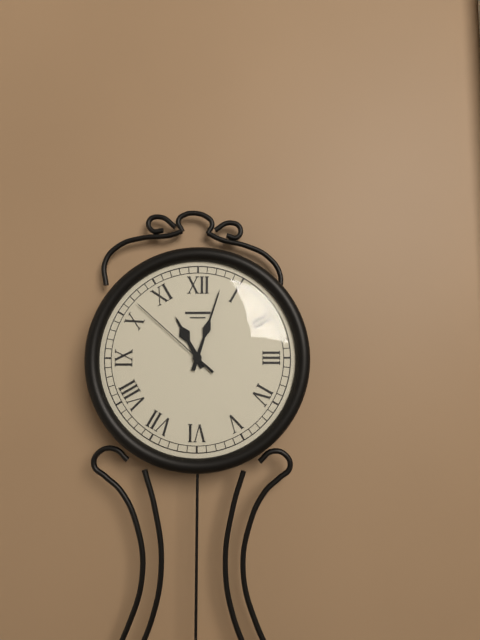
h=11 m=3 s=52
